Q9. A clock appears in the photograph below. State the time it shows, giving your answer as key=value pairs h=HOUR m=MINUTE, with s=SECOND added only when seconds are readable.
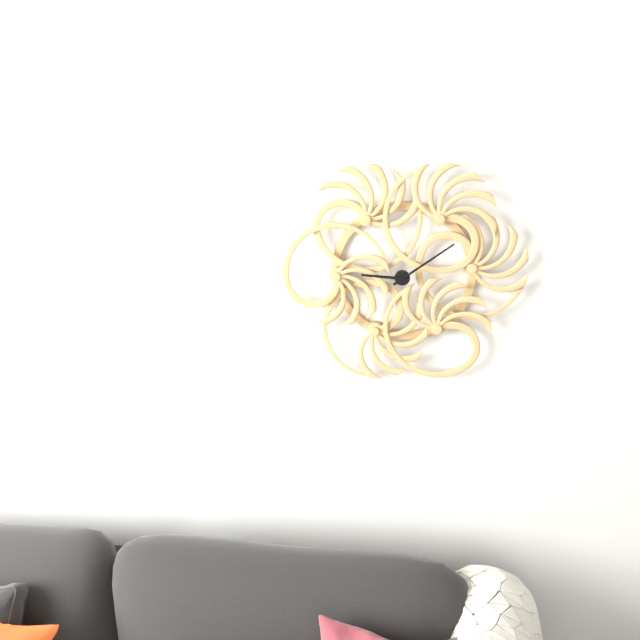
h=9 m=9
